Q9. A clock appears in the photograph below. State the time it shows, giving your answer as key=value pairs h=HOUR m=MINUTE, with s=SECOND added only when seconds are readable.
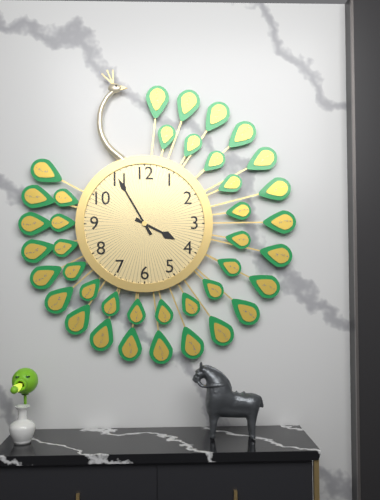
h=3 m=55
